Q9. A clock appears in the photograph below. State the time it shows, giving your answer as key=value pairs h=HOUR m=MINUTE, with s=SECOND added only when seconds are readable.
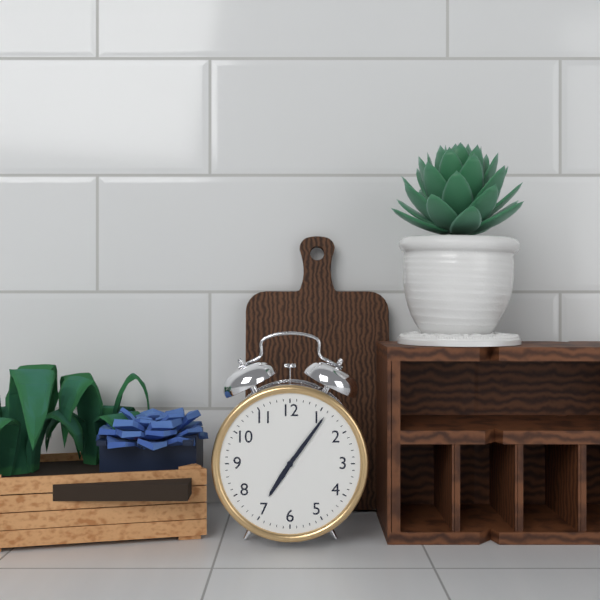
h=7 m=6
